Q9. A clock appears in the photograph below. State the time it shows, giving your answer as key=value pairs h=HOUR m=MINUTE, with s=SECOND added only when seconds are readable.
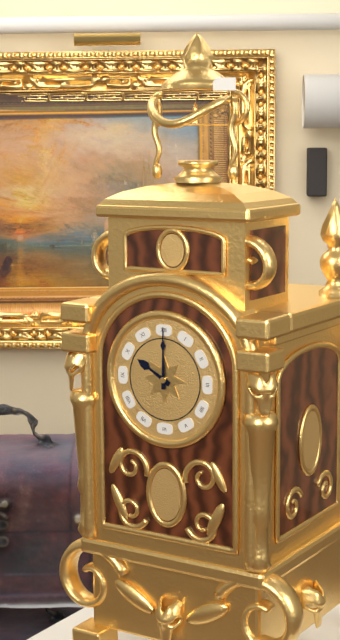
h=10 m=0
